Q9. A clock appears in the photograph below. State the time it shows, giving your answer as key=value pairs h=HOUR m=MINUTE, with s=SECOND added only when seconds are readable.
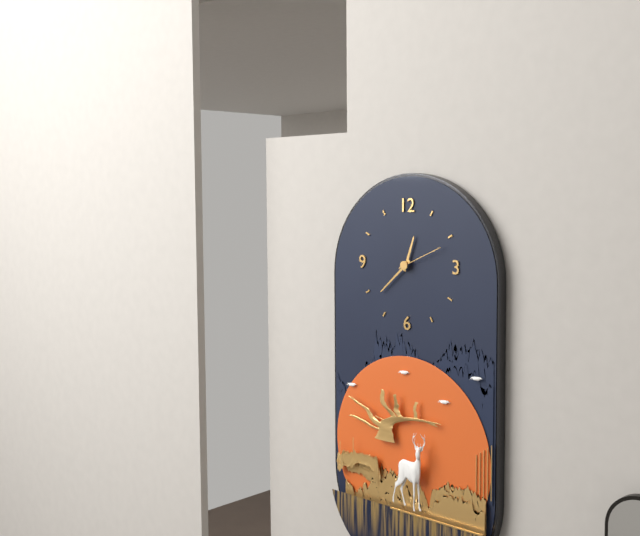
h=12 m=38 s=11
